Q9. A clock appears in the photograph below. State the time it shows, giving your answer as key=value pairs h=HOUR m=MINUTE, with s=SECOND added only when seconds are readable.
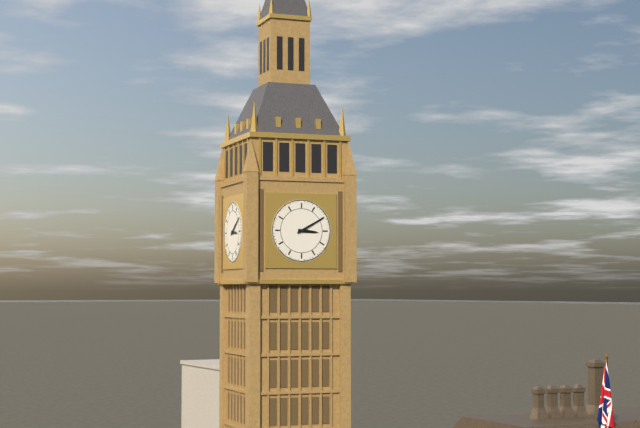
h=3 m=10
